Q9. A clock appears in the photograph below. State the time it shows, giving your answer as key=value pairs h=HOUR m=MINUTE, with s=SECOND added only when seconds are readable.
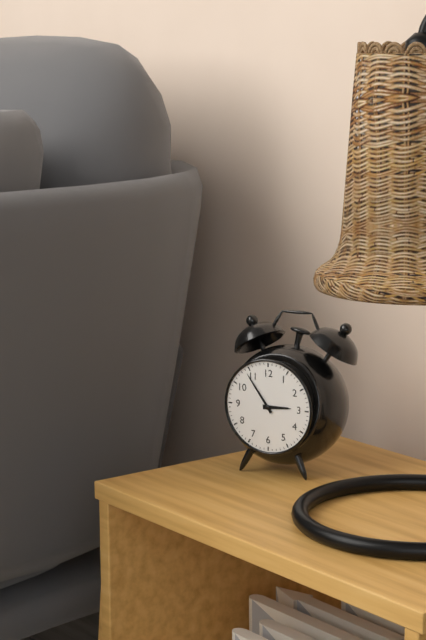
h=2 m=54
